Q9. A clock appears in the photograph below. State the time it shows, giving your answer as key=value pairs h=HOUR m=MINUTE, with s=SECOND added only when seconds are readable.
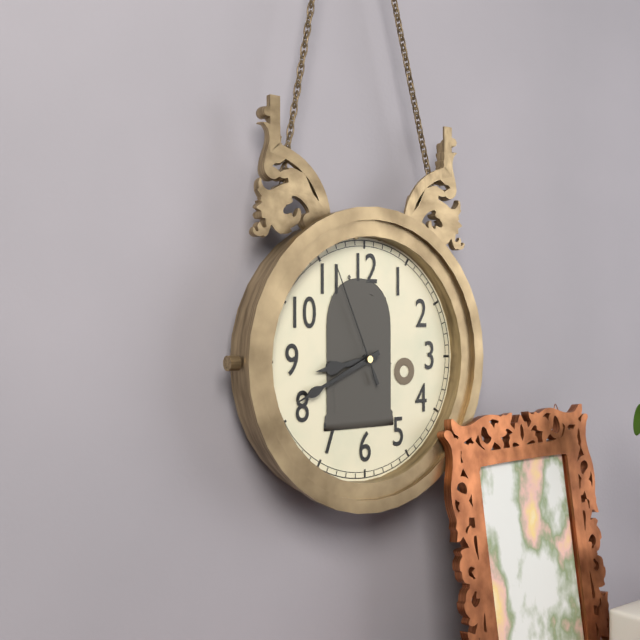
h=8 m=41 s=56
